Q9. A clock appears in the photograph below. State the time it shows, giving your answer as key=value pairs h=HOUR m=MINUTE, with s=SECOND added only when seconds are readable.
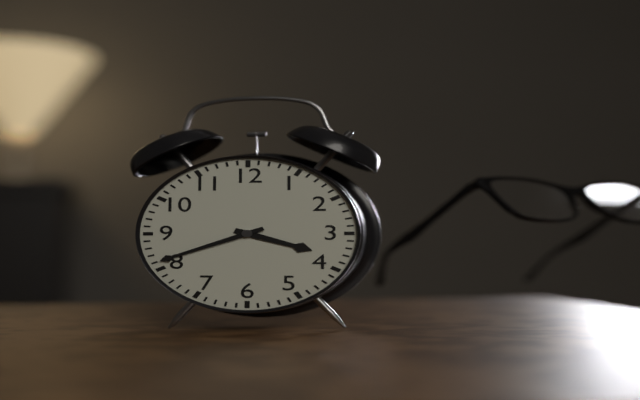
h=3 m=41
